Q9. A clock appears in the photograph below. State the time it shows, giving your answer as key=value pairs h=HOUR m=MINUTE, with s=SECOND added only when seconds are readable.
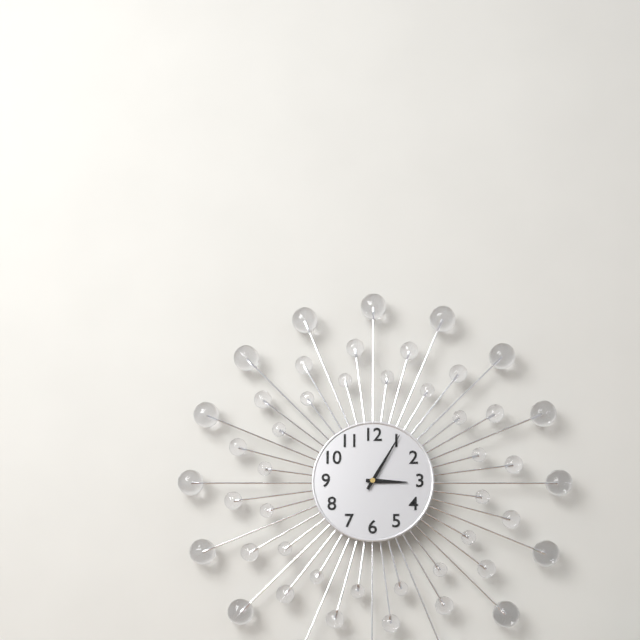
h=3 m=5
